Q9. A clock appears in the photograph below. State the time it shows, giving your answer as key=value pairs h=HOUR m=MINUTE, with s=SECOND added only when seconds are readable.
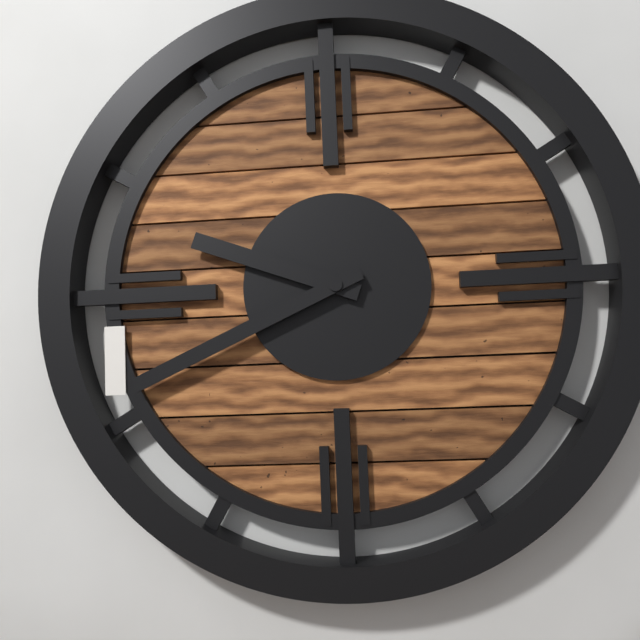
h=9 m=41
